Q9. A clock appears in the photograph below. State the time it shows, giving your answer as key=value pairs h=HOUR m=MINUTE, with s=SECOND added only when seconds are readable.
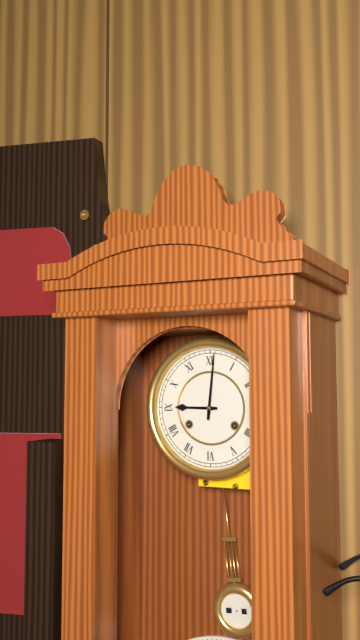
h=9 m=1
